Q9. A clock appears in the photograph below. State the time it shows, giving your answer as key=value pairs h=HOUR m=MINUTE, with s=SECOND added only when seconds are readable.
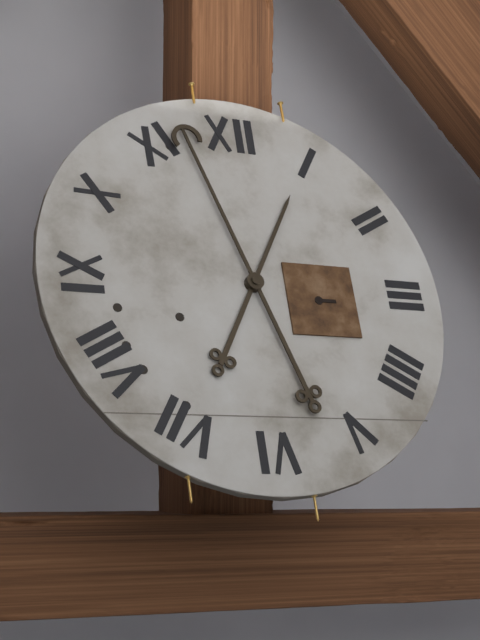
h=12 m=57
